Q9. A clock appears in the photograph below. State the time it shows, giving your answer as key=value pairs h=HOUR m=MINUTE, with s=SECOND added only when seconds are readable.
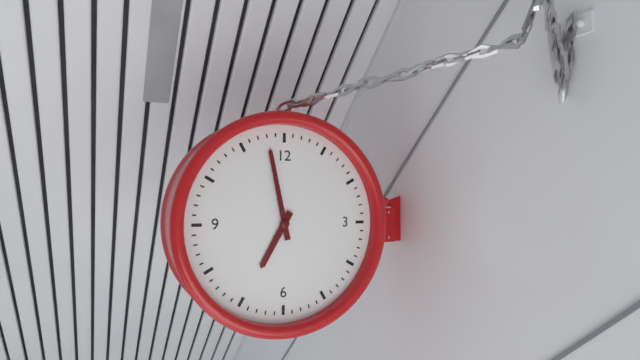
h=6 m=58
